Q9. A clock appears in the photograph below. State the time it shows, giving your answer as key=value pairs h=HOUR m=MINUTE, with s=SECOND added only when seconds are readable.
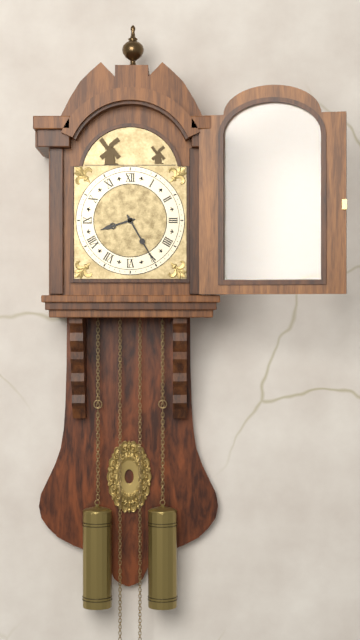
h=8 m=25
